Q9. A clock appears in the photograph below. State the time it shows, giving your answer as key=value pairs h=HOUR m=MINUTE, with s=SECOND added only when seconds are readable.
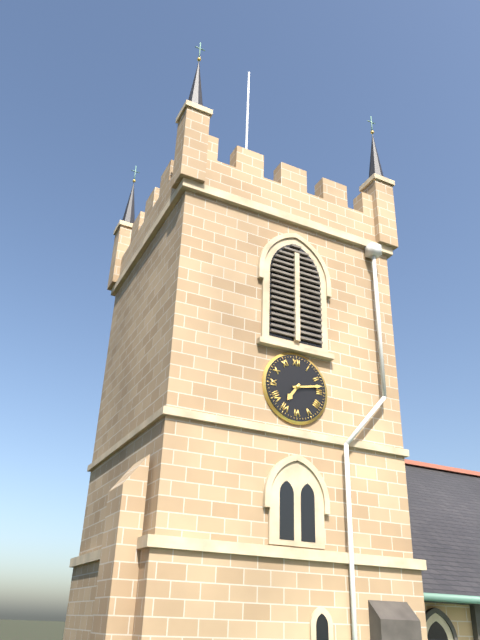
h=7 m=13
